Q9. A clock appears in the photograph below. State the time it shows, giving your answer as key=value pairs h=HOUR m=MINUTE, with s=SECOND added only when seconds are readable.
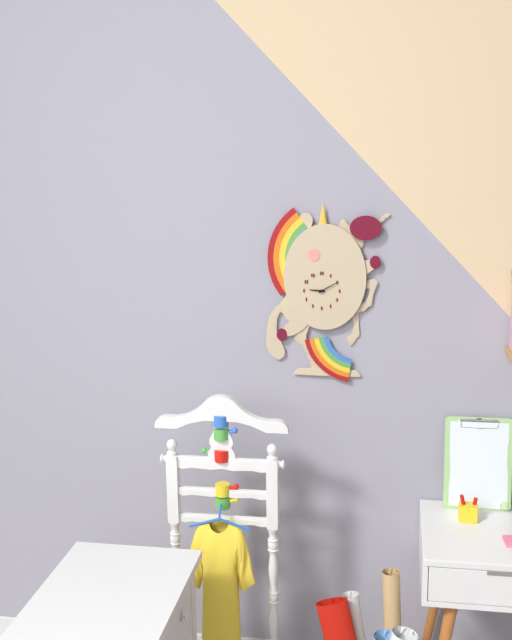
h=9 m=10
